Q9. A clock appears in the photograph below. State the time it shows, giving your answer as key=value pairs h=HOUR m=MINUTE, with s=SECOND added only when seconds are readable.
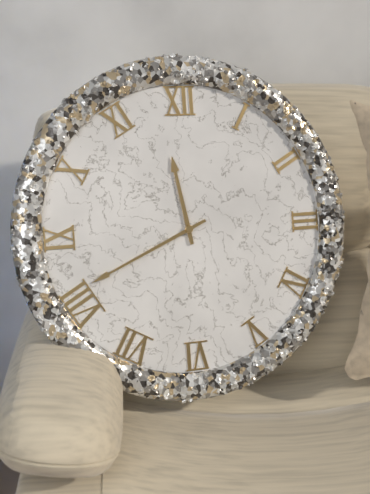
h=11 m=41
